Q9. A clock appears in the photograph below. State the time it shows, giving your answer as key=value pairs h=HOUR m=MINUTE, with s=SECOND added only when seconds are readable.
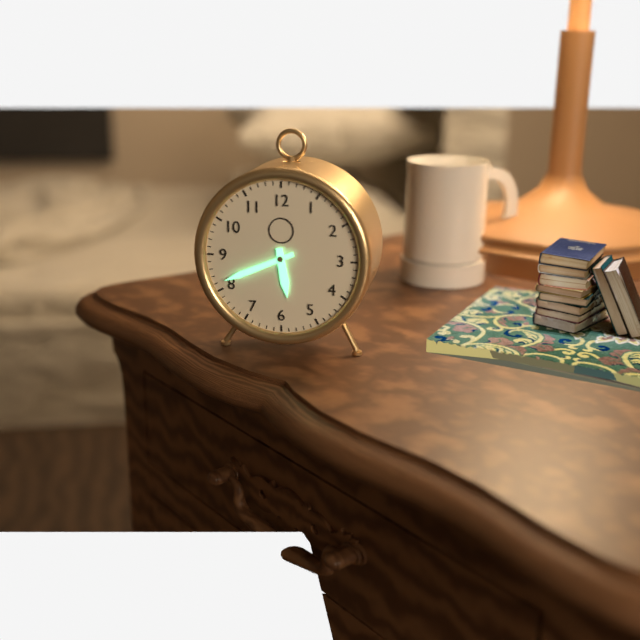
h=5 m=41
